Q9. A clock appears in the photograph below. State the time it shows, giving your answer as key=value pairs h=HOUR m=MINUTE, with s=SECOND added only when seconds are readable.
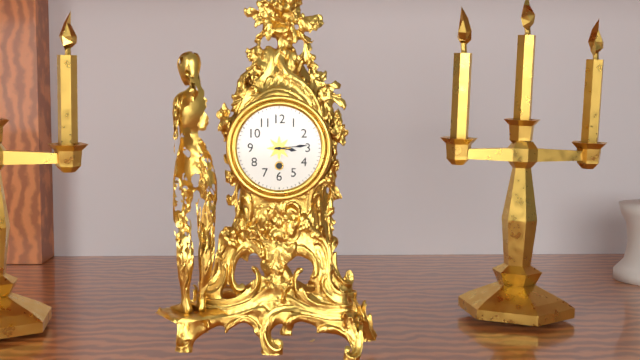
h=3 m=14
